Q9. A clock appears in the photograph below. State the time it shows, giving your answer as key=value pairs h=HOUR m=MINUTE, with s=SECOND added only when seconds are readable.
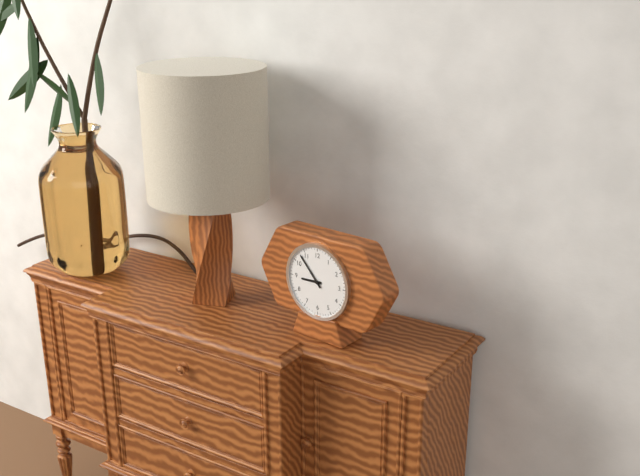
h=8 m=53
